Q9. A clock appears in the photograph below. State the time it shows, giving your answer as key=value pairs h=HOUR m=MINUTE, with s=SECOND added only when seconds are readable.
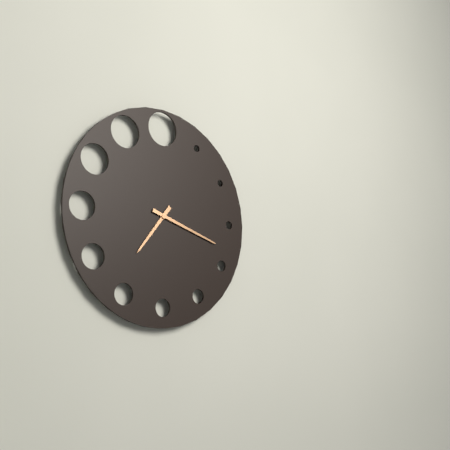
h=7 m=18
